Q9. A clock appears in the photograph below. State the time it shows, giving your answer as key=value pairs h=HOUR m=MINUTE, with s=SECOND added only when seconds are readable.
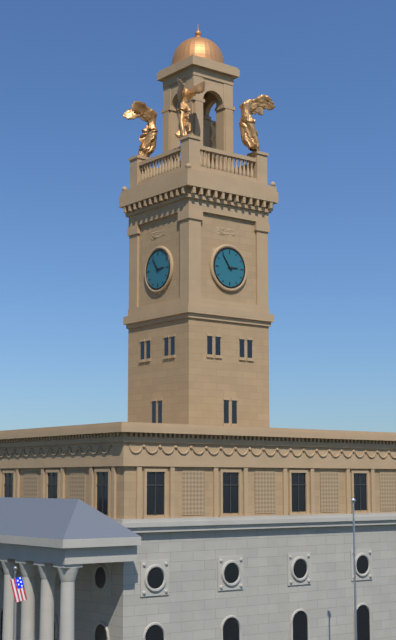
h=2 m=54
